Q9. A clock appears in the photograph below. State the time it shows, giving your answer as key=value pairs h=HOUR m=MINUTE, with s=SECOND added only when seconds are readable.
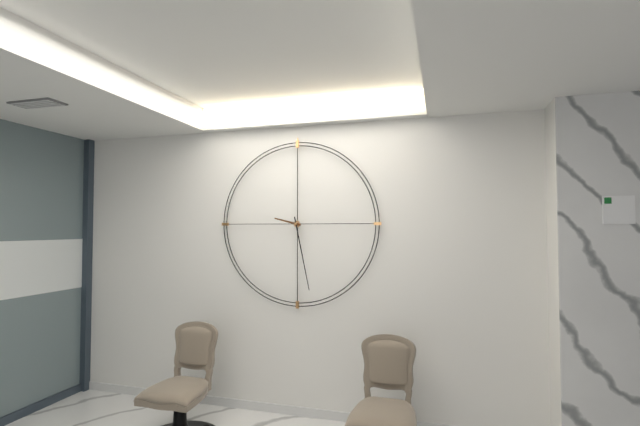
h=9 m=28
